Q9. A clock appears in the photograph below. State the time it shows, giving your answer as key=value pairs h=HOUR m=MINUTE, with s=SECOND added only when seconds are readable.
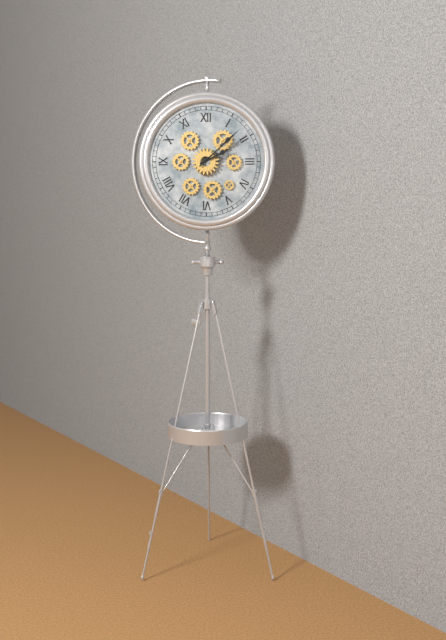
h=2 m=8
